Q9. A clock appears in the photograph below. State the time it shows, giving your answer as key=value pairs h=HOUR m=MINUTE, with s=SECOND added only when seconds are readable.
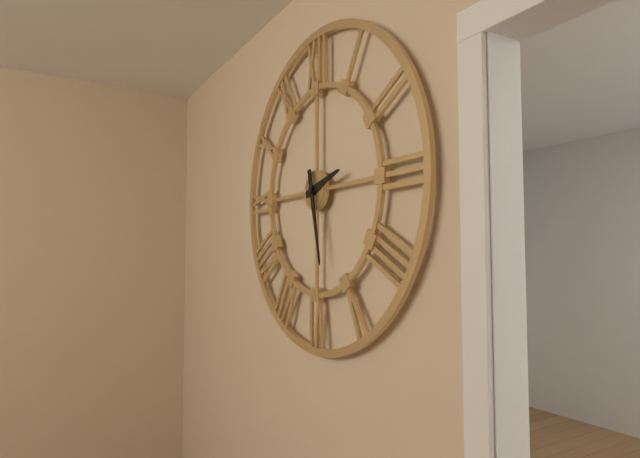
h=2 m=28
